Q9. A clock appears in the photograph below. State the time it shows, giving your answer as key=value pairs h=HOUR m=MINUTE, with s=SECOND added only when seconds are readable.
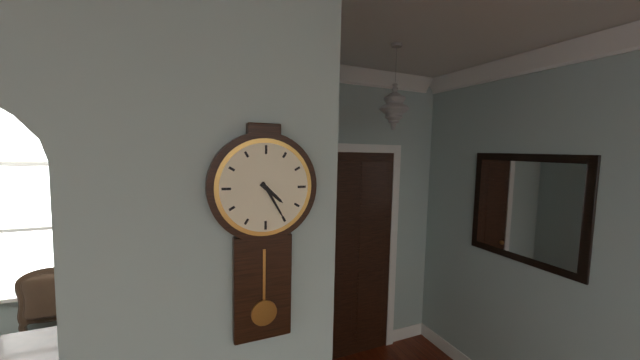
h=4 m=25
